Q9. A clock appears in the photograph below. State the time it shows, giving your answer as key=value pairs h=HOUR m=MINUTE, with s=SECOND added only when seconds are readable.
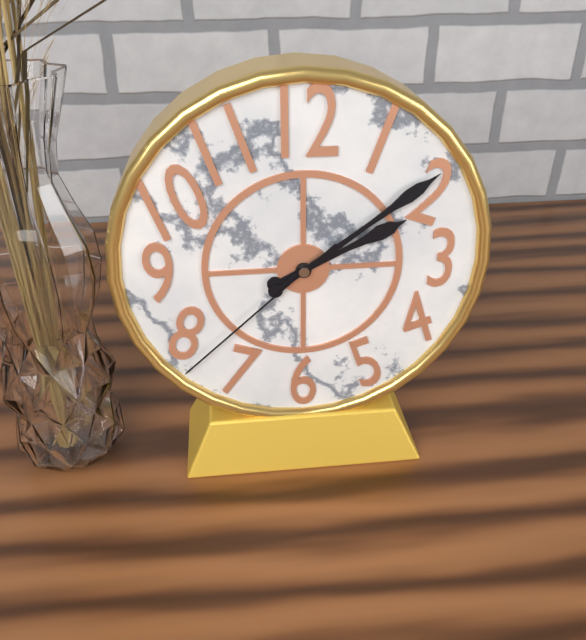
h=2 m=9 s=38
